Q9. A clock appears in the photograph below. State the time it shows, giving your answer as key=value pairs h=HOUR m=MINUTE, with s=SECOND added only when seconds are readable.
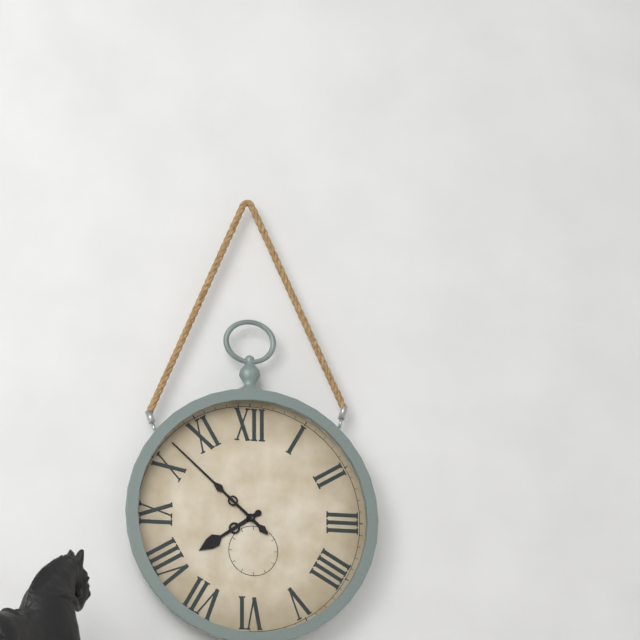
h=7 m=52
